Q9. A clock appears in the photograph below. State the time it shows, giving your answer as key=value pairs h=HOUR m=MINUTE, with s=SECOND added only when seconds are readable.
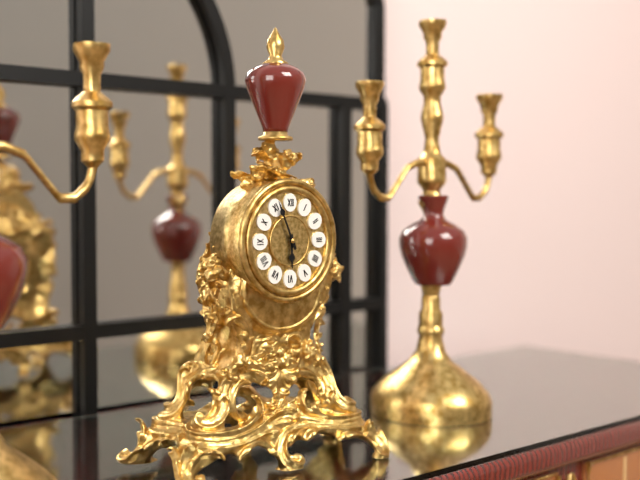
h=5 m=56
